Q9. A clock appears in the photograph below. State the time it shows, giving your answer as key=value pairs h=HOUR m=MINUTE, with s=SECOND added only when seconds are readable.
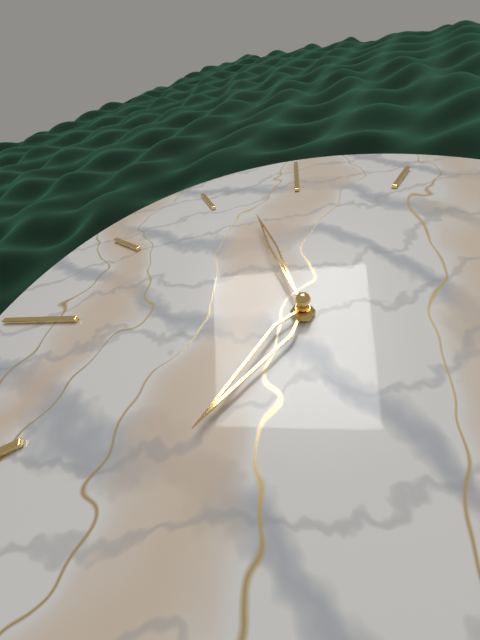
h=10 m=12
